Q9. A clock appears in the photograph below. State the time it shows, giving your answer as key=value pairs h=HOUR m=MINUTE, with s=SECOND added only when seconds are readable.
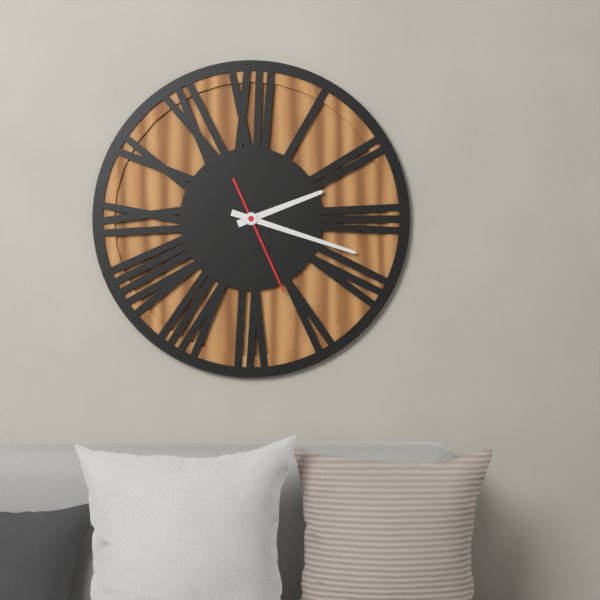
h=2 m=18 s=26
